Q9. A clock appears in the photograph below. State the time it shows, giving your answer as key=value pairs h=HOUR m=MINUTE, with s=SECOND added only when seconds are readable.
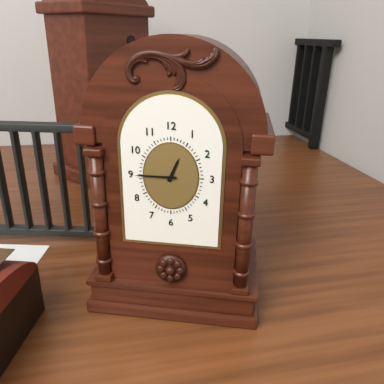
h=12 m=45
